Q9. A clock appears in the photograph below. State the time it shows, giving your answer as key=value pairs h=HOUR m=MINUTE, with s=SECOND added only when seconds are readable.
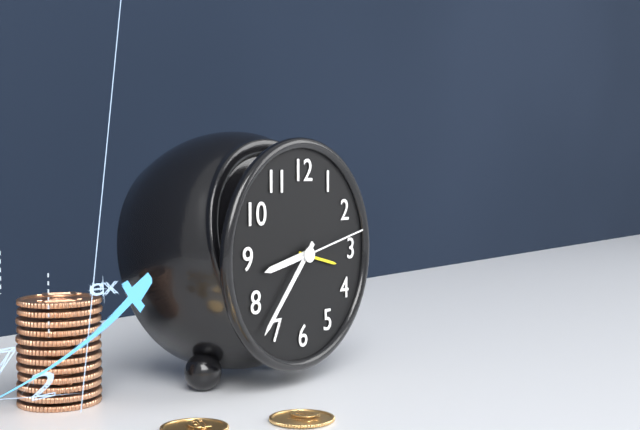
h=8 m=37 s=13
